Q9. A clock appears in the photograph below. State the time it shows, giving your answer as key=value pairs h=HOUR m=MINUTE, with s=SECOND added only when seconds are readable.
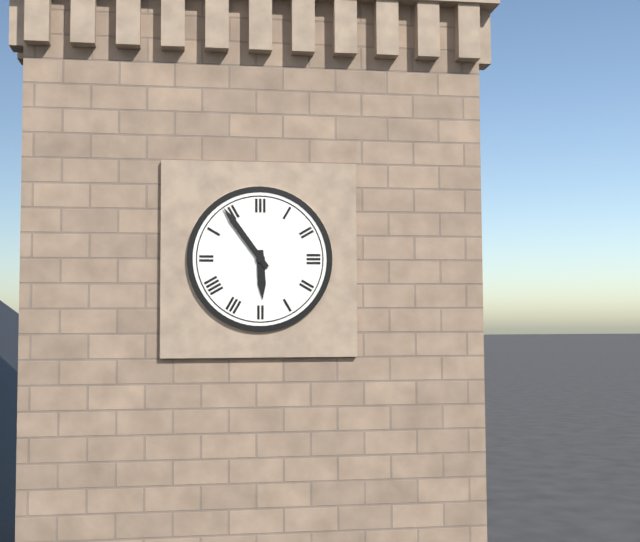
h=5 m=54
